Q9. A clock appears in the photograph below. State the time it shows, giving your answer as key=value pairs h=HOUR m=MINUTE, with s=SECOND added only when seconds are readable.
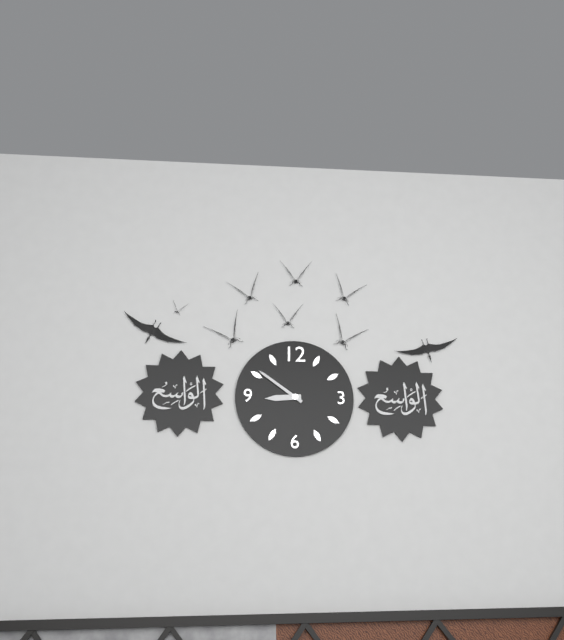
h=8 m=51
